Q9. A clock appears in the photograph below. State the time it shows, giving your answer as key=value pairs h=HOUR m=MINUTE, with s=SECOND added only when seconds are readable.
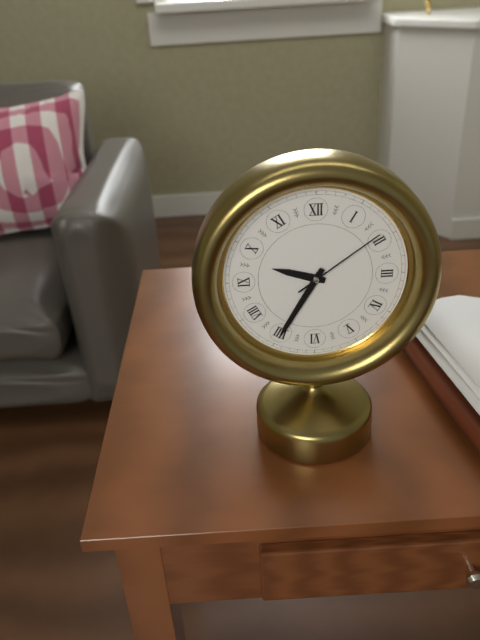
h=9 m=35 s=9
